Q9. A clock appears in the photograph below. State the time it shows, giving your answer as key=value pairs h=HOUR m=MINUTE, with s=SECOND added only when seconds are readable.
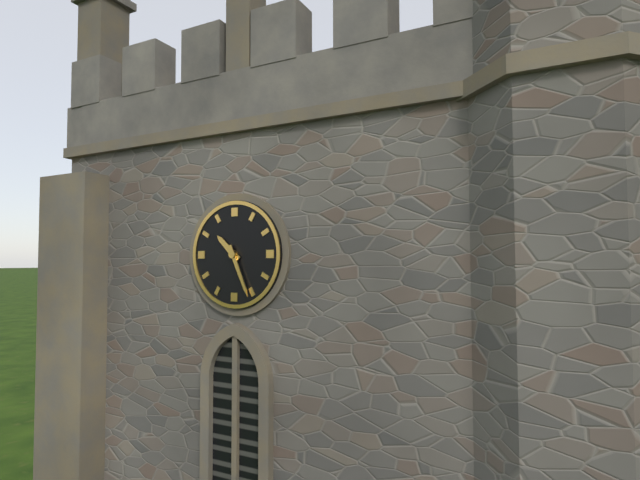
h=10 m=26
